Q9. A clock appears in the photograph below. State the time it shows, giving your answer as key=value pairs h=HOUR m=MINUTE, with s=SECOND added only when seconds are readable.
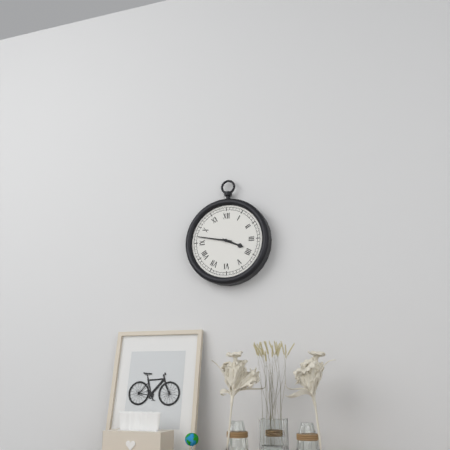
h=3 m=47
